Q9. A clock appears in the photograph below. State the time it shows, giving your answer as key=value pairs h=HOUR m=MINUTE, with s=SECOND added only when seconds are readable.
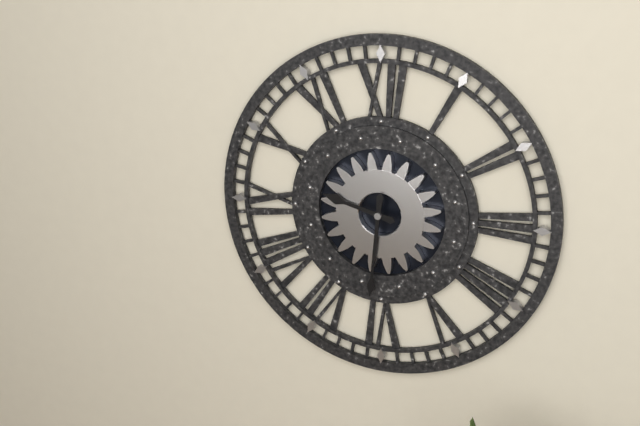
h=9 m=31
